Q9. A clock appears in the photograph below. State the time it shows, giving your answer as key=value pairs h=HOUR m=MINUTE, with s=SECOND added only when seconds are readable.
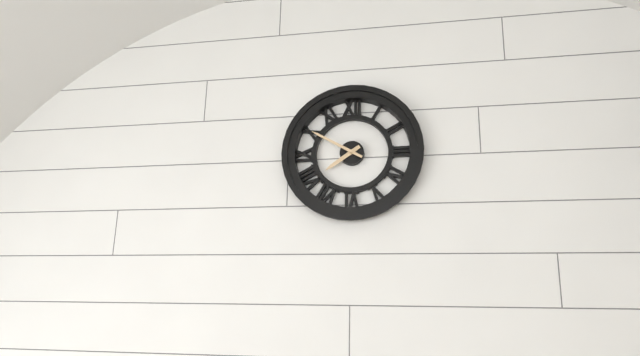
h=7 m=50
